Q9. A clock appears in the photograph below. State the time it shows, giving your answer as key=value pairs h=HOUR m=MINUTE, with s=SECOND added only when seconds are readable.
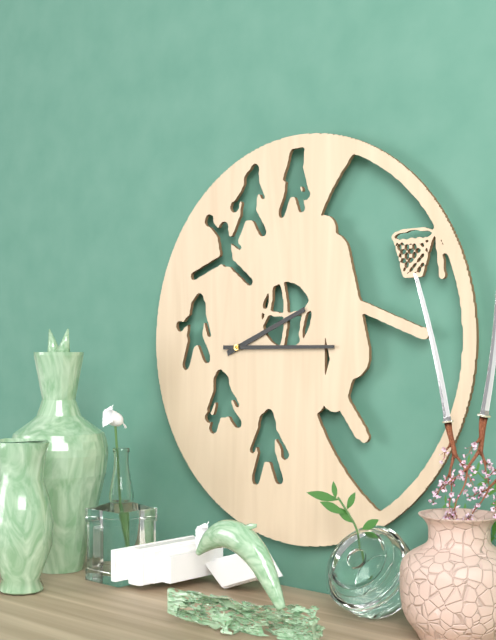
h=2 m=15
